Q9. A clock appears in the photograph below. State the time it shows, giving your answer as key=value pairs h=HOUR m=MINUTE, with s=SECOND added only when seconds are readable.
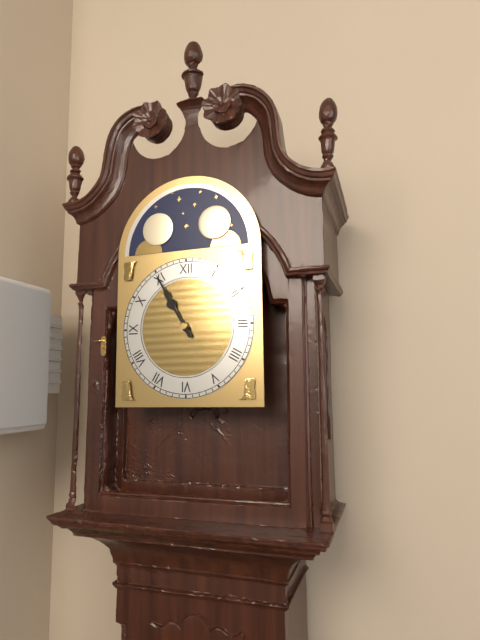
h=10 m=55
